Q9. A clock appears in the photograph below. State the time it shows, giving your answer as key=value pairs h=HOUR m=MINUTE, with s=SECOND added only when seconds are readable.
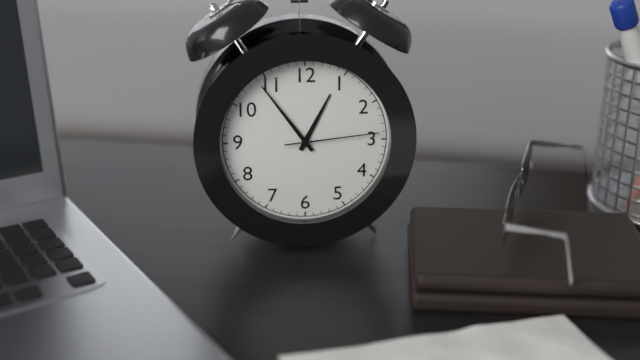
h=12 m=54 s=14
